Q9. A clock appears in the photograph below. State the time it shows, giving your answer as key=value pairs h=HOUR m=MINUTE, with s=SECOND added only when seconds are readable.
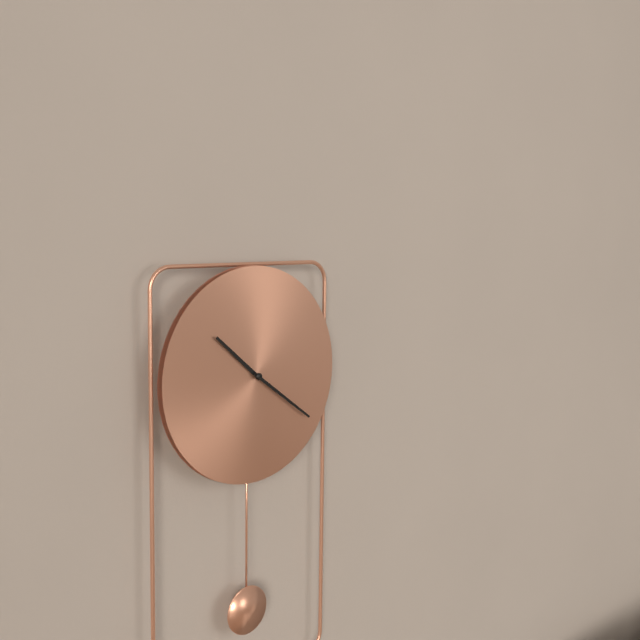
h=10 m=21
